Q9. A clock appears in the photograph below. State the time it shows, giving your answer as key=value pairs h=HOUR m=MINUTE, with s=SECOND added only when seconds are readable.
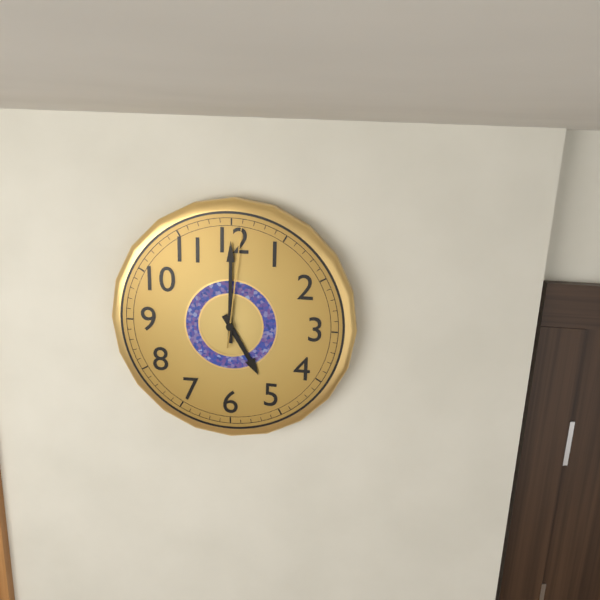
h=5 m=0 s=1
